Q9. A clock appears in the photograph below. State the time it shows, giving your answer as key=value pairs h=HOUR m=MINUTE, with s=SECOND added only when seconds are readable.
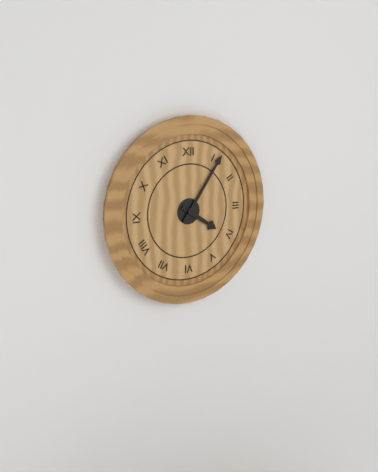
h=4 m=6
